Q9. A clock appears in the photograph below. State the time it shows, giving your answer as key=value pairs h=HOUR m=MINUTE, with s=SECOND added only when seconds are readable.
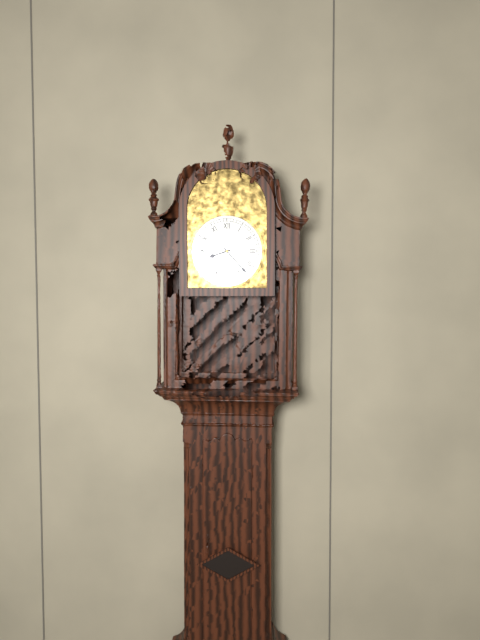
h=8 m=23
